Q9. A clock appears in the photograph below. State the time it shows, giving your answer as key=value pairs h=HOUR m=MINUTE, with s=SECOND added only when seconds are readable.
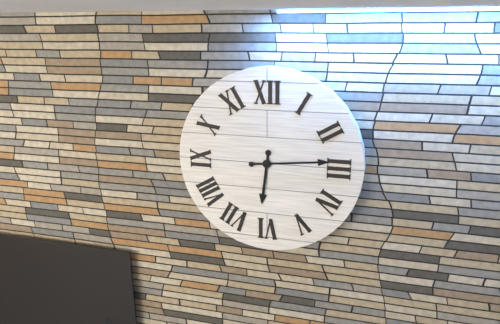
h=6 m=14
